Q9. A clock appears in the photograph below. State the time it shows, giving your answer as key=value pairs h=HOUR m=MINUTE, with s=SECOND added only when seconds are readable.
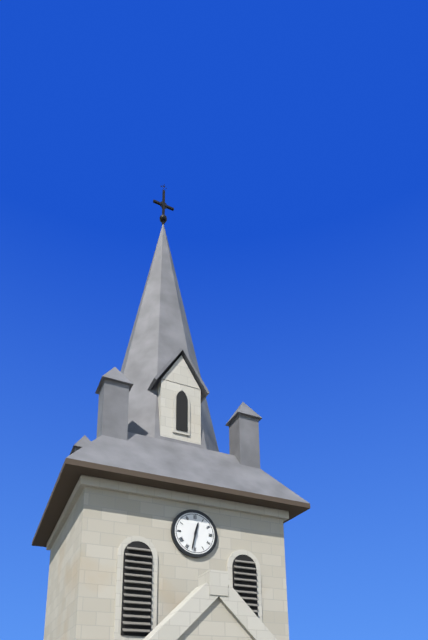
h=12 m=32
